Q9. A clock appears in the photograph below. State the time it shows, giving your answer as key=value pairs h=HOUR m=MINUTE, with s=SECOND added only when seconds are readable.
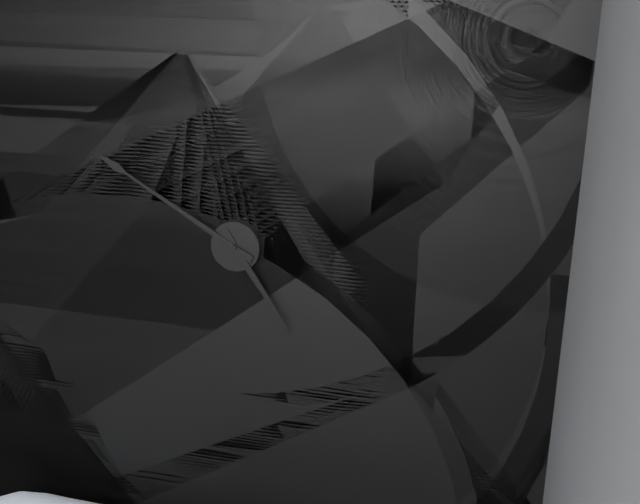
h=4 m=50
